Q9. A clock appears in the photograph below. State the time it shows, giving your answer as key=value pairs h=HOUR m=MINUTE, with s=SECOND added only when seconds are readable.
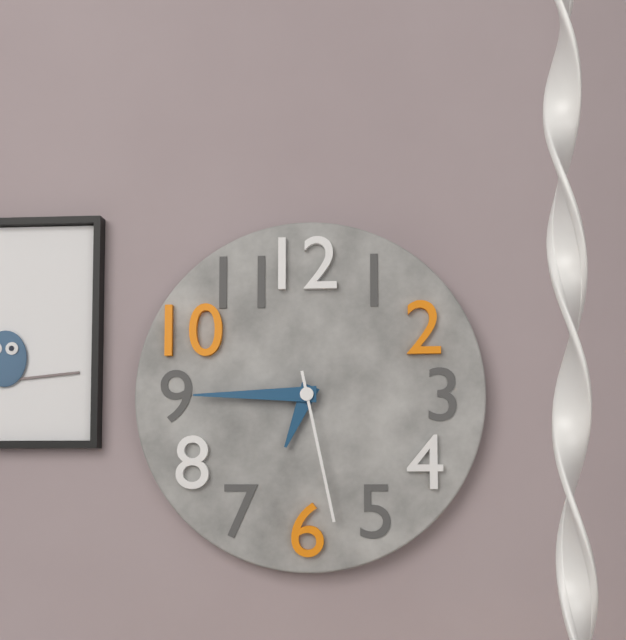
h=6 m=45 s=28
